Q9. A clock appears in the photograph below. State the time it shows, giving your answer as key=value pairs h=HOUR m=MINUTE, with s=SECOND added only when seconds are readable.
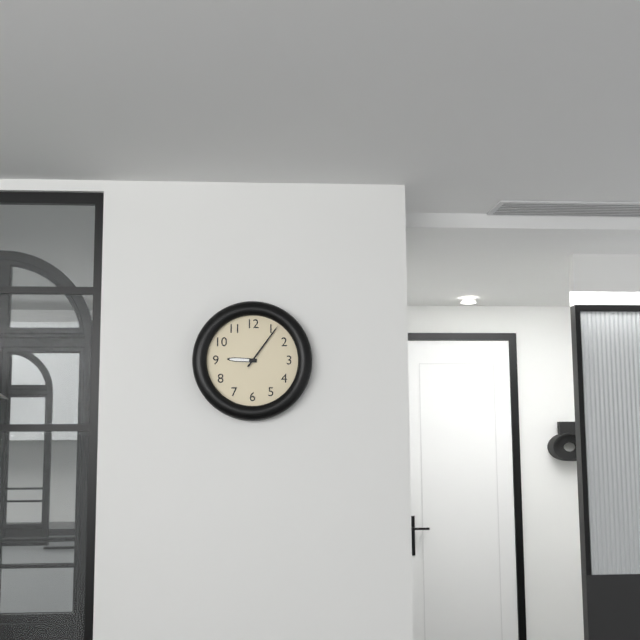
h=9 m=6
